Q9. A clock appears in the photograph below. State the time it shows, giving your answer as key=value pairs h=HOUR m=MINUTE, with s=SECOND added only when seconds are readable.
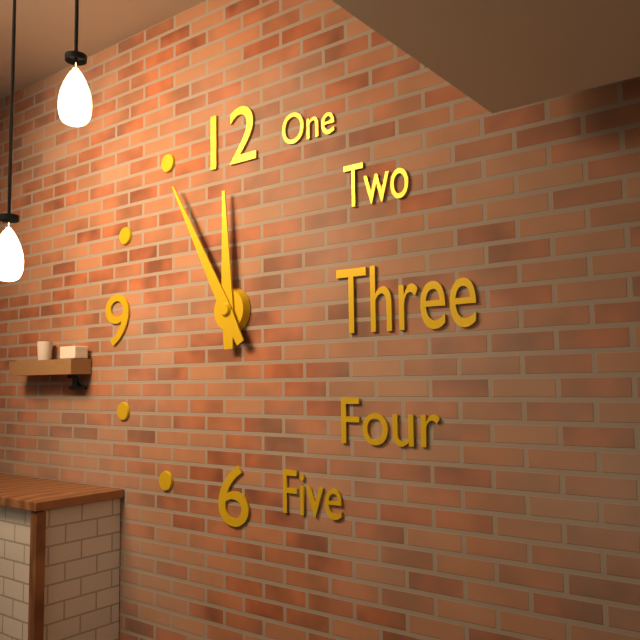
h=11 m=55
